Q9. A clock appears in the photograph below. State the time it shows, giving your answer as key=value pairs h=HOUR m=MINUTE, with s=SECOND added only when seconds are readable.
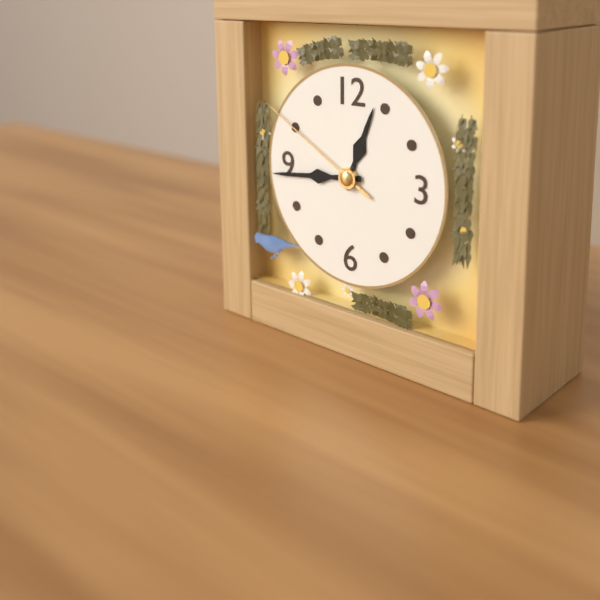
h=12 m=44 s=50
